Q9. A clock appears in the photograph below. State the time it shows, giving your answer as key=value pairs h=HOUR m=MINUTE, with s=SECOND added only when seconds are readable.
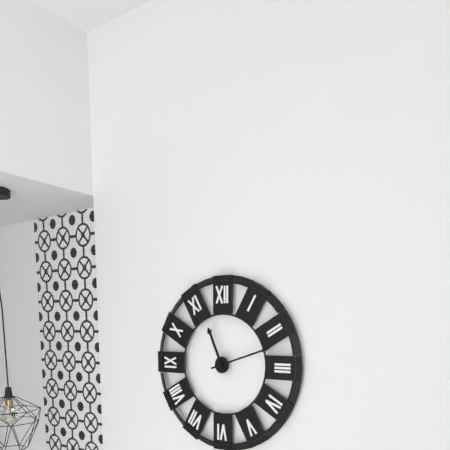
h=11 m=12
